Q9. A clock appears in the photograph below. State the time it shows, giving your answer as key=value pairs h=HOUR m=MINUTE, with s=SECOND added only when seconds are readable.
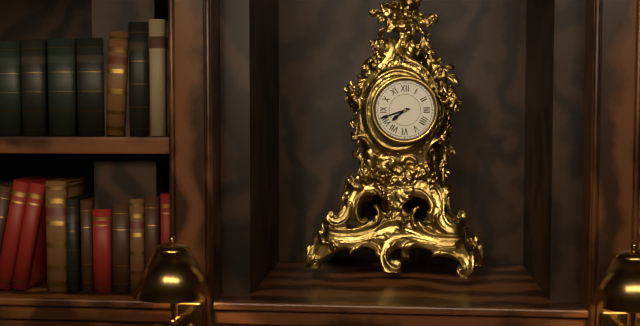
h=7 m=42
